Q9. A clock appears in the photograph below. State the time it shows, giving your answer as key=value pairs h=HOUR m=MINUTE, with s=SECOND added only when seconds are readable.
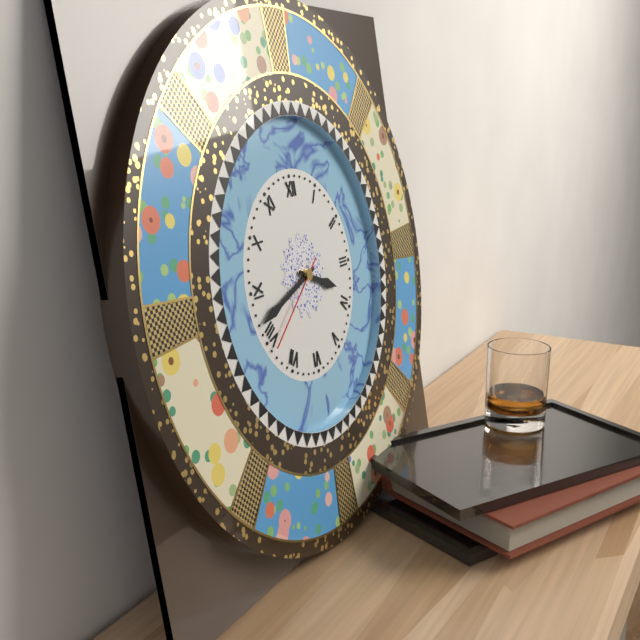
h=3 m=42 s=39
